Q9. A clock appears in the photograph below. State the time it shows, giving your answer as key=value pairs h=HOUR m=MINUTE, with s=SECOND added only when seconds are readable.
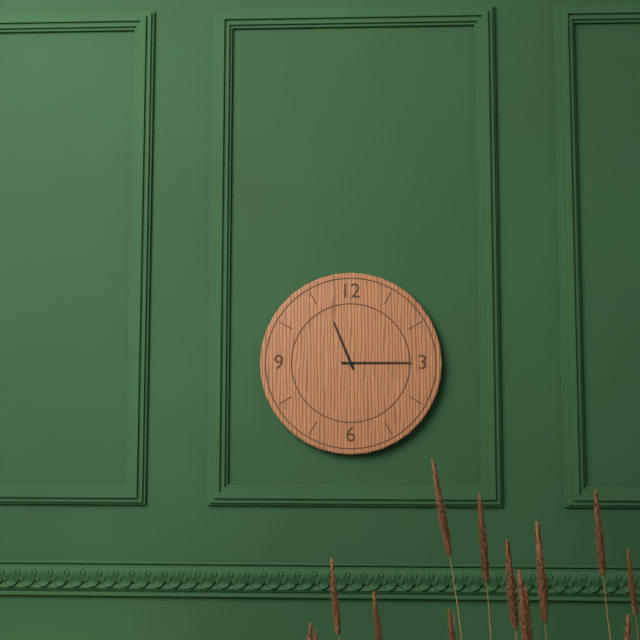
h=11 m=15
